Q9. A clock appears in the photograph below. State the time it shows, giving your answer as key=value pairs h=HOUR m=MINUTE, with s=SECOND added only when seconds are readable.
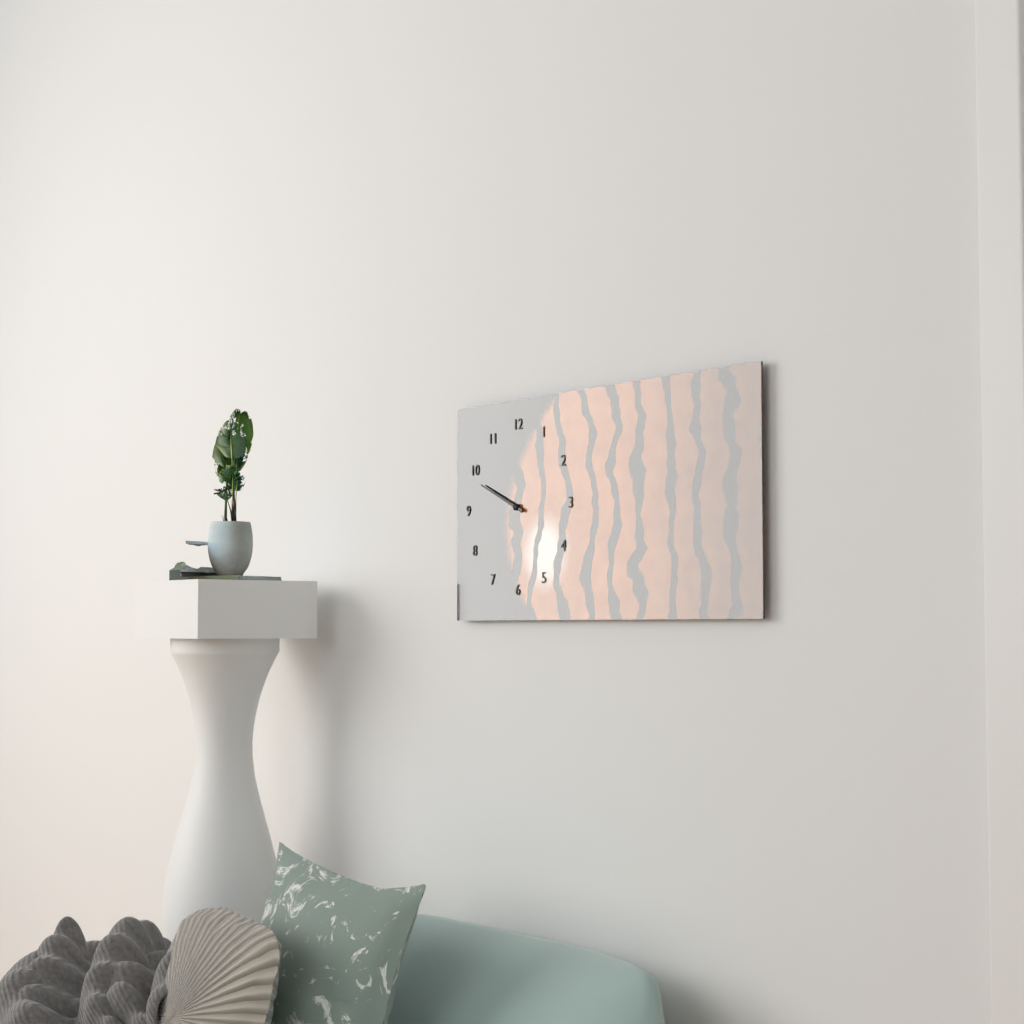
h=9 m=49
